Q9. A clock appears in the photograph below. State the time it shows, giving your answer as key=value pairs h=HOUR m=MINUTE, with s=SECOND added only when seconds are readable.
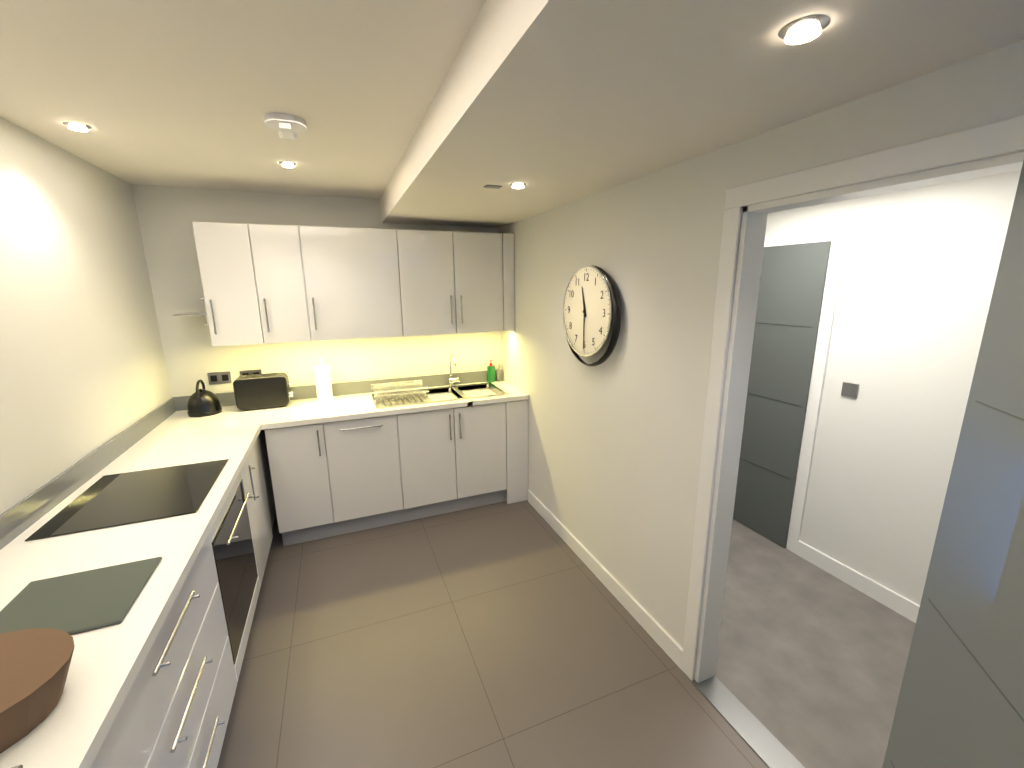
h=11 m=30
